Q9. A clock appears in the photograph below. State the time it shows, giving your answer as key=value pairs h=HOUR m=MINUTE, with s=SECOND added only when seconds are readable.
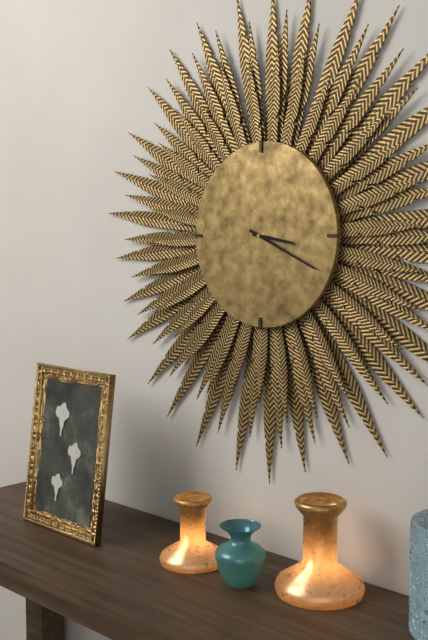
h=3 m=19
